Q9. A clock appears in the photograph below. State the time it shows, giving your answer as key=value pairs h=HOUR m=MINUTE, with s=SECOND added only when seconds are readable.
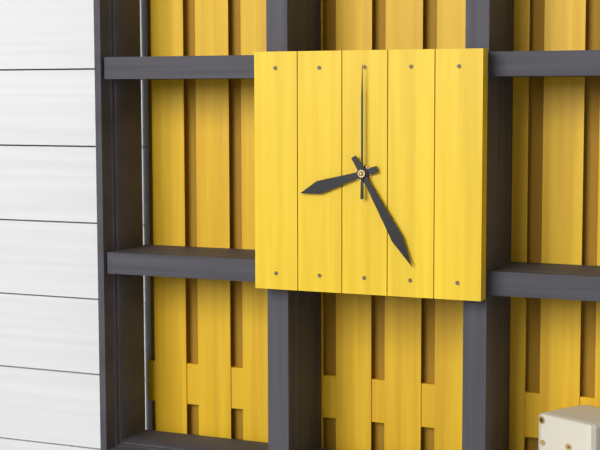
h=8 m=25 s=0
